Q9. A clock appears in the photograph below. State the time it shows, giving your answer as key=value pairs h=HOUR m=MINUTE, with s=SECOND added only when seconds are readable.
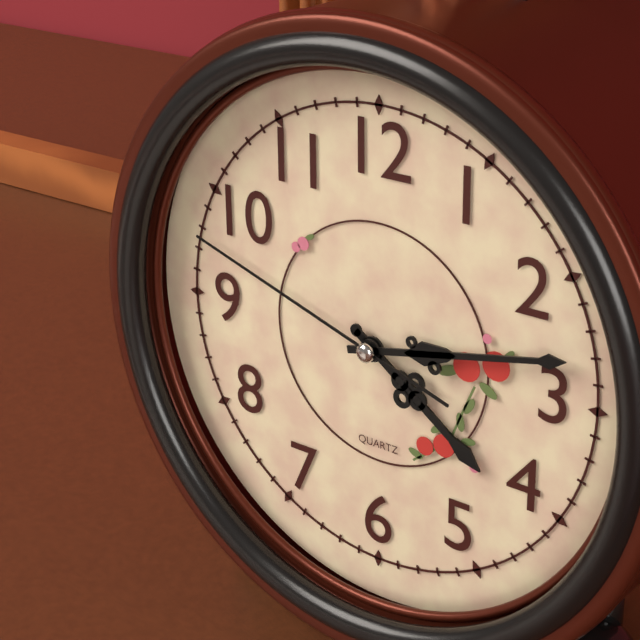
h=4 m=13 s=48
